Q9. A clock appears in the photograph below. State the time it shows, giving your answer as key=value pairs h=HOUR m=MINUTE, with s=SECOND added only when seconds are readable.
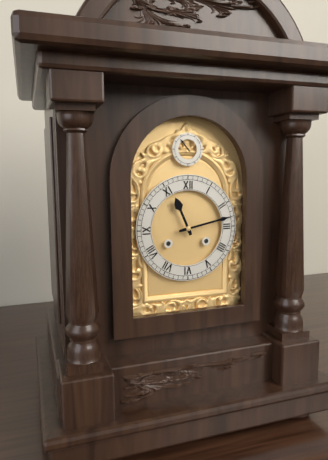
h=11 m=13
